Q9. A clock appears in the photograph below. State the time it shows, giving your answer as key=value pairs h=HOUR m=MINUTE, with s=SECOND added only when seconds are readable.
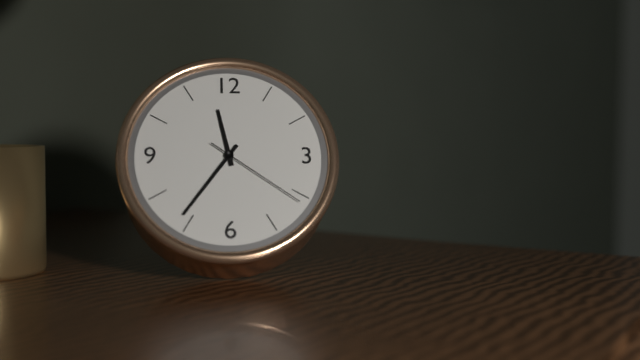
h=11 m=36 s=21
